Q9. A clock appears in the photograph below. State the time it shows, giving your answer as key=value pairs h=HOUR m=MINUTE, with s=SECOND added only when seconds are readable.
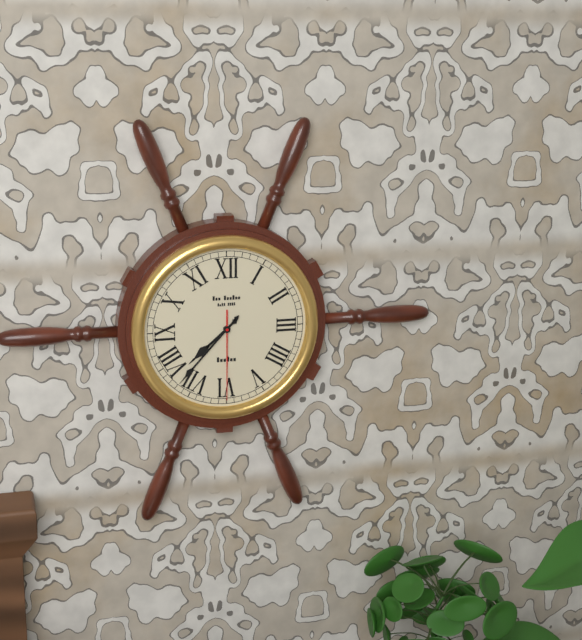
h=7 m=37 s=30
